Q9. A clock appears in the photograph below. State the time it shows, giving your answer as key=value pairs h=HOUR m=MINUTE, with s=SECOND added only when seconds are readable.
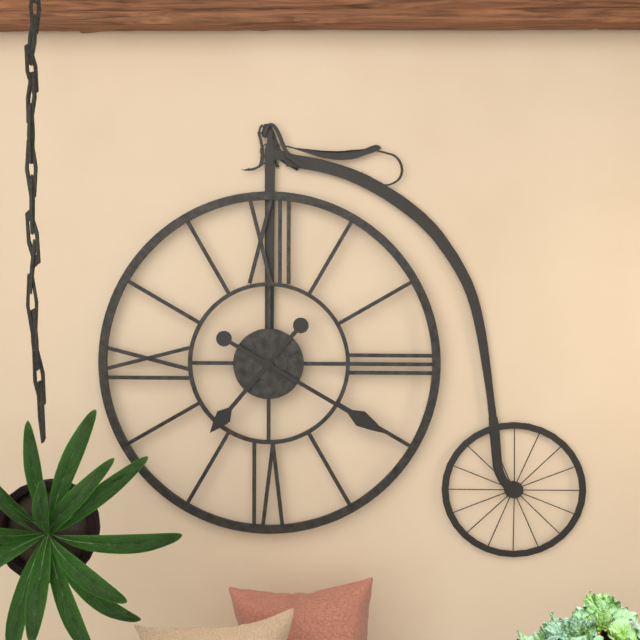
h=7 m=20
